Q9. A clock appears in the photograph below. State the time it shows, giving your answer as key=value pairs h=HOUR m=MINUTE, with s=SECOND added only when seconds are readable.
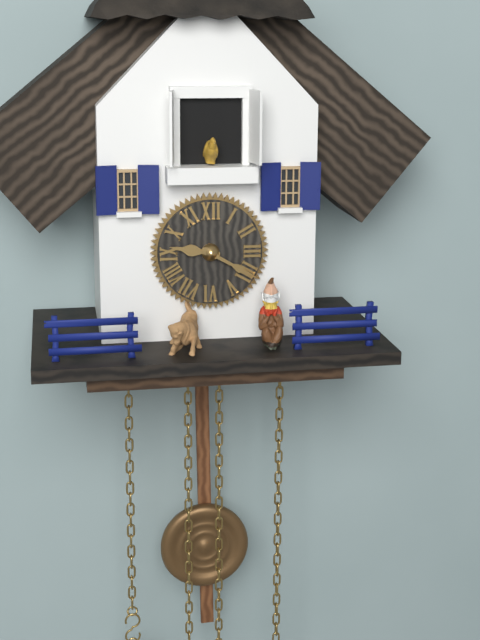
h=9 m=20
